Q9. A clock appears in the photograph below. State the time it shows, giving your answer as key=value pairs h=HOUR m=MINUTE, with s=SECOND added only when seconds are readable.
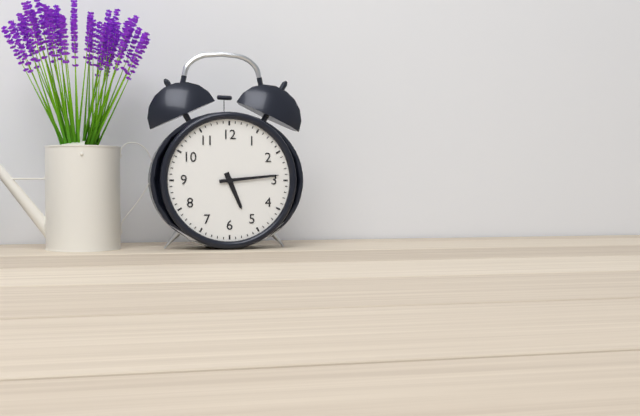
h=5 m=14
